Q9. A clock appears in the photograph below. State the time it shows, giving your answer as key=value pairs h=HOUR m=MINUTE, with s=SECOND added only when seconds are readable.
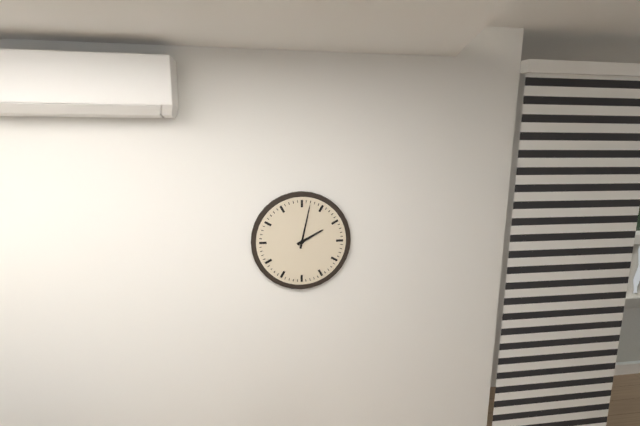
h=2 m=2
